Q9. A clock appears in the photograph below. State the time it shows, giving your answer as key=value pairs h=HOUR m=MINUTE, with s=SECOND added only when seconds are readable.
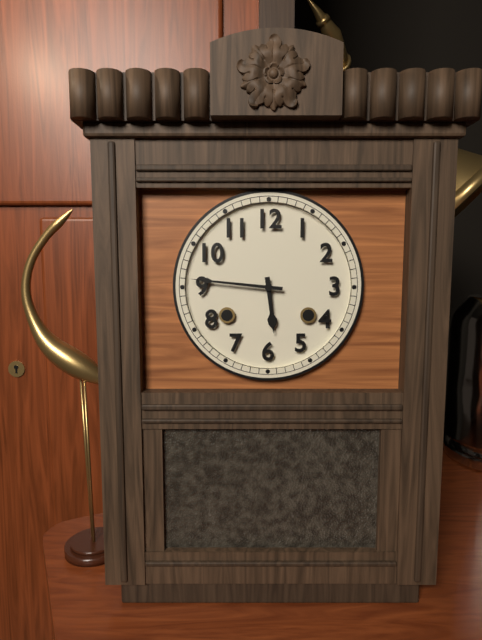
h=5 m=46
